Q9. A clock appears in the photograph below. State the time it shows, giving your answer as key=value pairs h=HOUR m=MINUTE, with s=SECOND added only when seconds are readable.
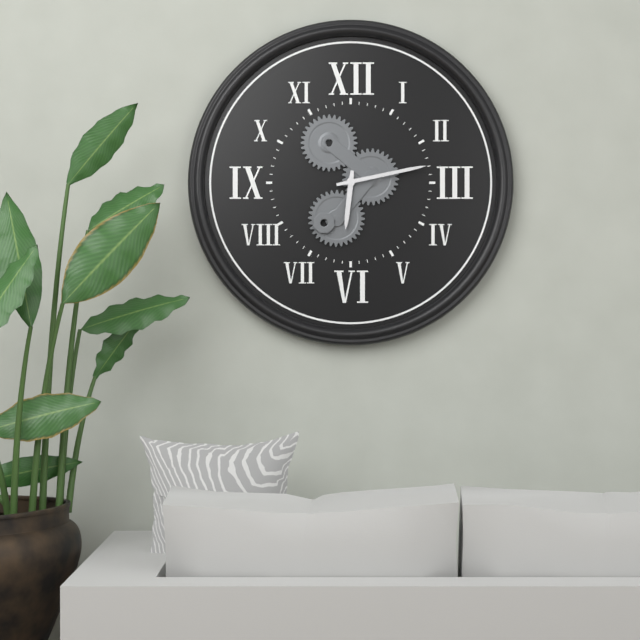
h=6 m=13
